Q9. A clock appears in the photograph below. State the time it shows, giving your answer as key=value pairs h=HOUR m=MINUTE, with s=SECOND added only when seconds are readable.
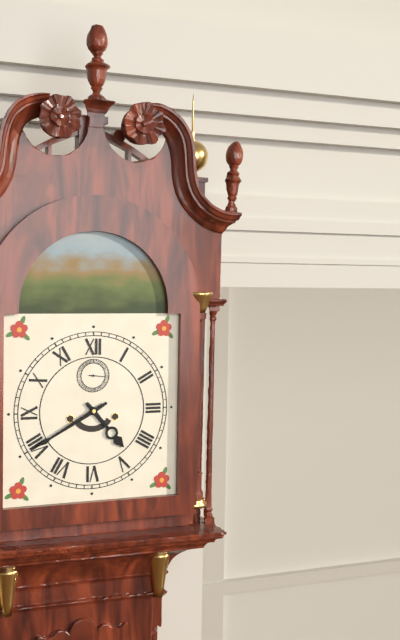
h=4 m=40
